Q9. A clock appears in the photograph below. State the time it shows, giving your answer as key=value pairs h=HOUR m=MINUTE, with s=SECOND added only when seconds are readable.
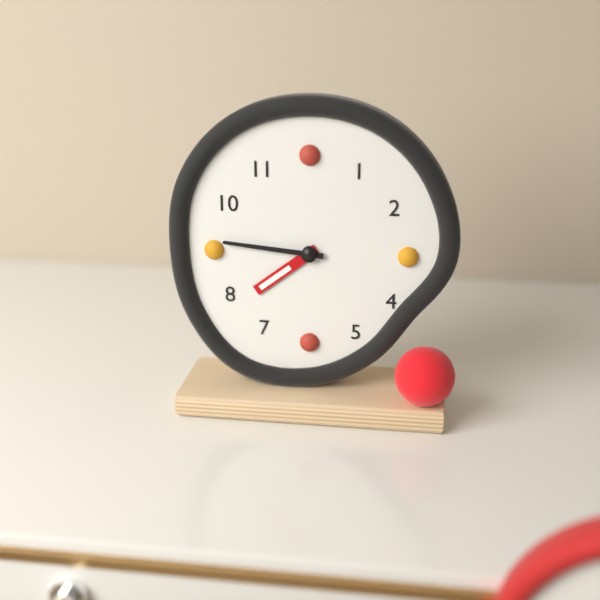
h=7 m=46
